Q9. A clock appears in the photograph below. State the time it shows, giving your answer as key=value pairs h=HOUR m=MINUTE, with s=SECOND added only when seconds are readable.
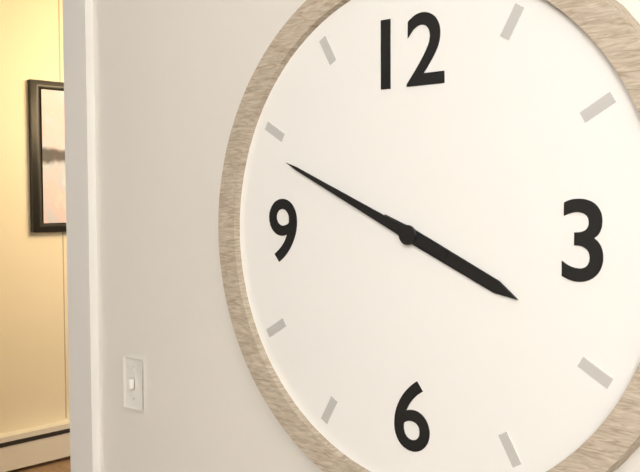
h=3 m=49
